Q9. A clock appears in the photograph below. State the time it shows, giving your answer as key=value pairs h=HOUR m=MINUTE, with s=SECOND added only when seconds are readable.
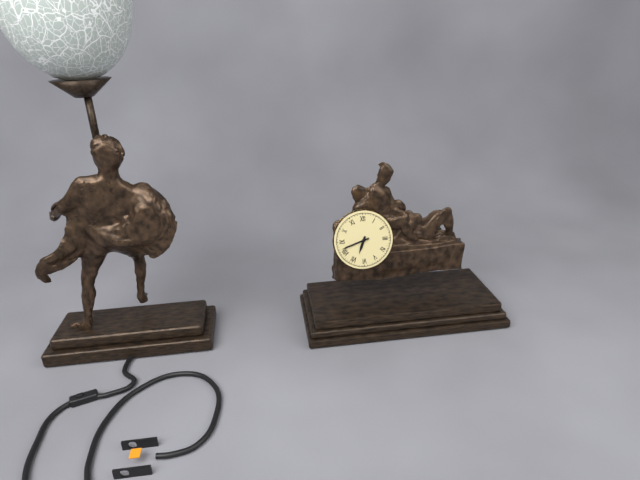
h=6 m=42
